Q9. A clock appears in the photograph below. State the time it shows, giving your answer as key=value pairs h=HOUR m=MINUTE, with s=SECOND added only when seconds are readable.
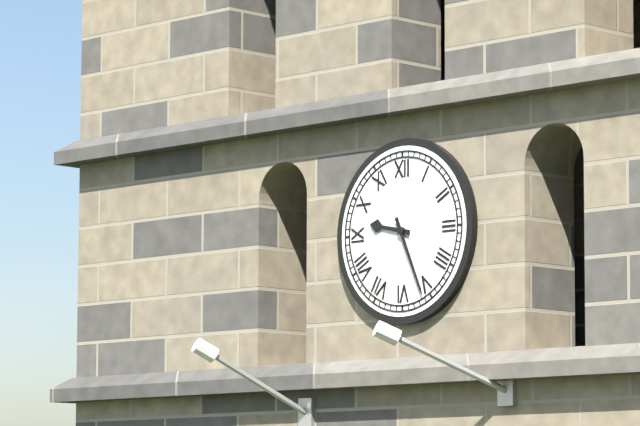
h=9 m=26
